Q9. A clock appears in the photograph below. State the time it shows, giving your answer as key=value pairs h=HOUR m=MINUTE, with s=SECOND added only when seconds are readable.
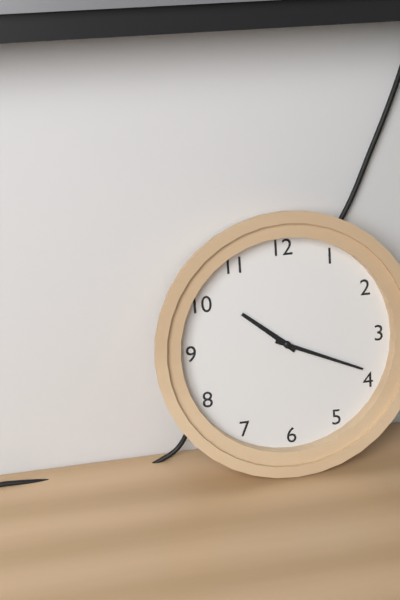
h=10 m=19
